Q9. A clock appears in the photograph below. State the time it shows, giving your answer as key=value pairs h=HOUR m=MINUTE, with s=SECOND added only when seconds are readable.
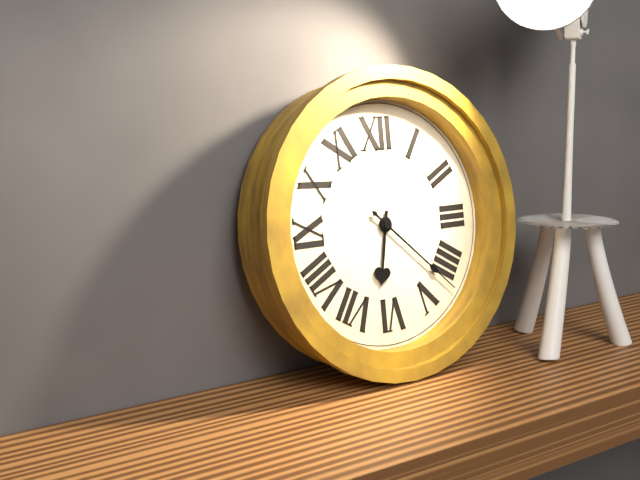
h=6 m=22
